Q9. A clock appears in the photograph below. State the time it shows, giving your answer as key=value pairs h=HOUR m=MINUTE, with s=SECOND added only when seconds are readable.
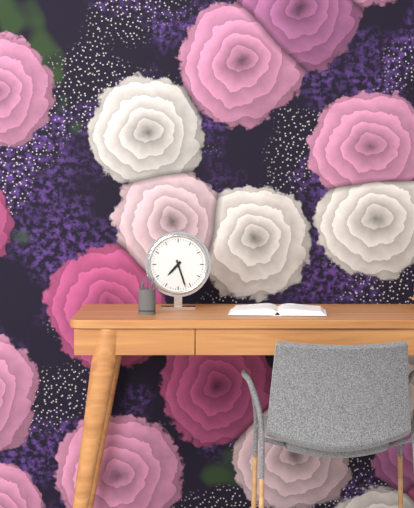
h=7 m=27
